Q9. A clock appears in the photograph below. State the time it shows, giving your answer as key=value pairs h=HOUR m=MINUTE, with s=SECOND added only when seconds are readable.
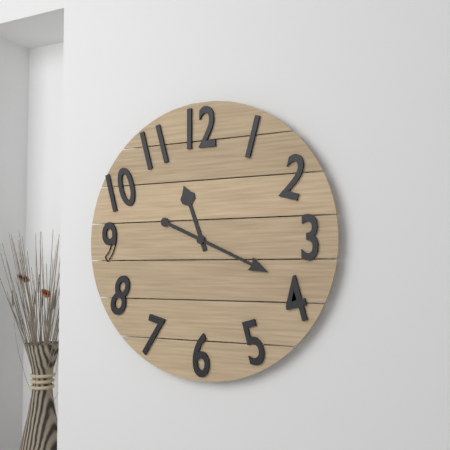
h=11 m=19
